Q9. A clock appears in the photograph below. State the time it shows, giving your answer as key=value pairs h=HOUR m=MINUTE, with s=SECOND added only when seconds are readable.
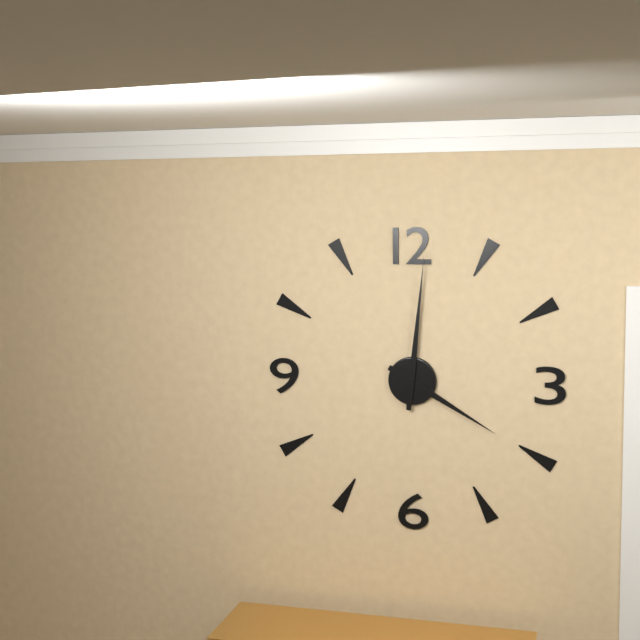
h=4 m=1
